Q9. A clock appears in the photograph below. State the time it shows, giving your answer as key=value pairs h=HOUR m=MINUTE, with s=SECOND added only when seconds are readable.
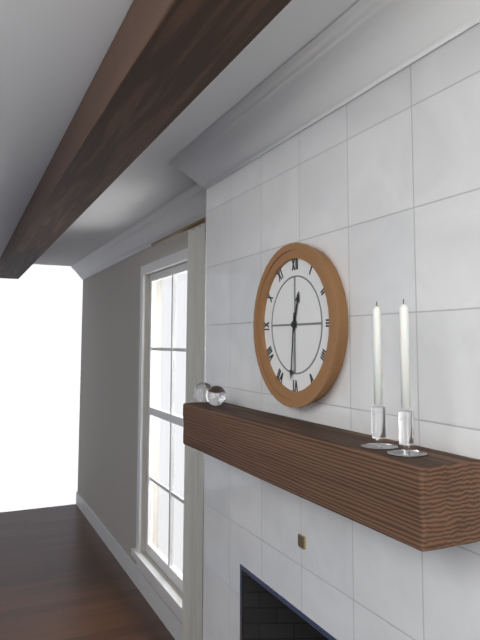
h=12 m=31
